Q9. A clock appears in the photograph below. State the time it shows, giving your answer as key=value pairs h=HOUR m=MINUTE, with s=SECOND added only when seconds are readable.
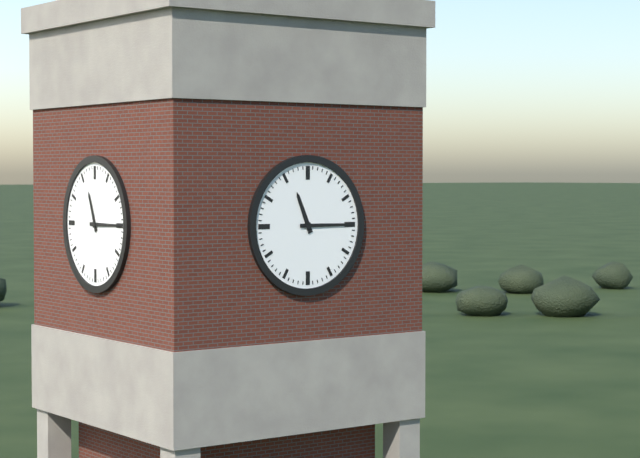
h=11 m=15
